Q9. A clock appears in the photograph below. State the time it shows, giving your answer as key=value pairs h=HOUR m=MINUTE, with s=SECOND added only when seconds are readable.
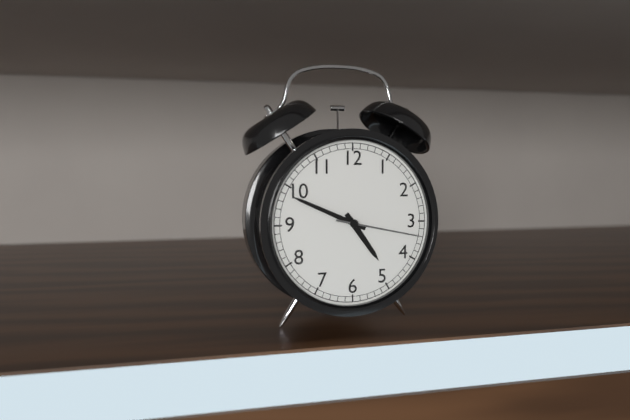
h=4 m=49 s=17
